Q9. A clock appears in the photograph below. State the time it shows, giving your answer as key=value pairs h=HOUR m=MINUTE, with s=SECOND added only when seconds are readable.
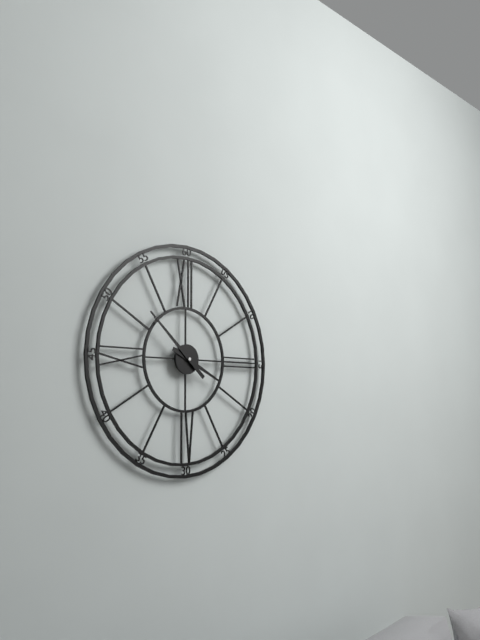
h=3 m=52
